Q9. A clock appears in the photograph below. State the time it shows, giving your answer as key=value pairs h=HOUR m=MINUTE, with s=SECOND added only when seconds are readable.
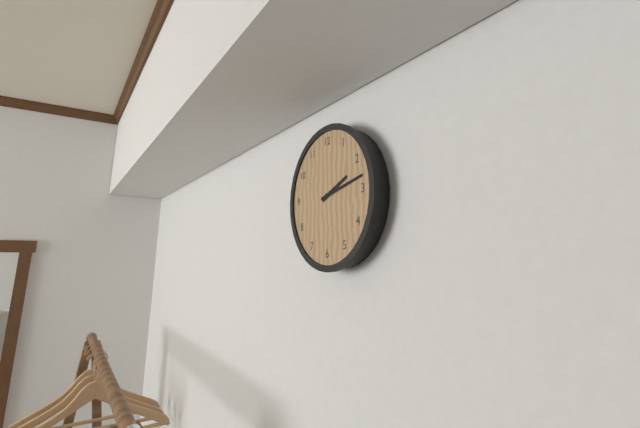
h=2 m=13
